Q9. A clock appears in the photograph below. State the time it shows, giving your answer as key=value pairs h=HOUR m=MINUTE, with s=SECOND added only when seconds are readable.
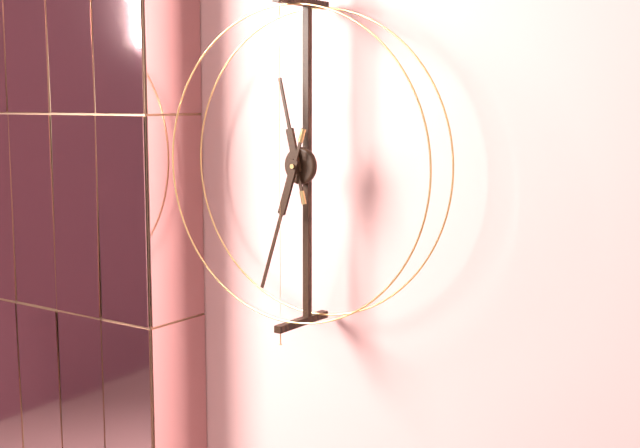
h=11 m=33
